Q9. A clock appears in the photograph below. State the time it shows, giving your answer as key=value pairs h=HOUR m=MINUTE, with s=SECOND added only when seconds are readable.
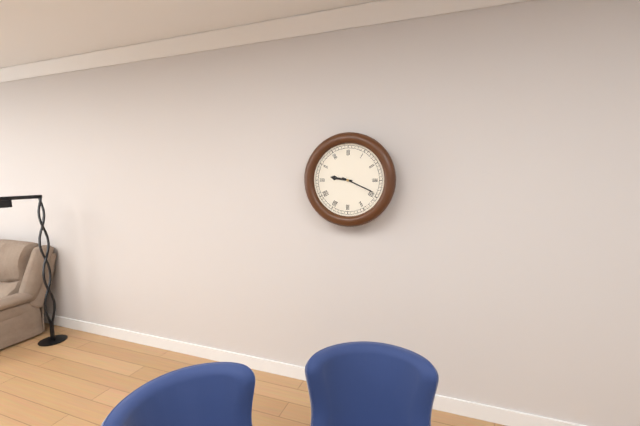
h=9 m=19
